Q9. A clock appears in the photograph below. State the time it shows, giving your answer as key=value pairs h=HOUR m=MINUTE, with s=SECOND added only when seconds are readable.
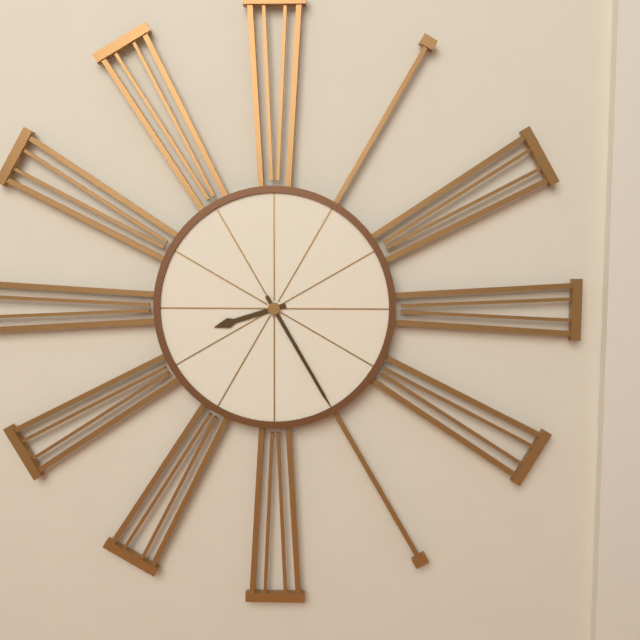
h=8 m=25
